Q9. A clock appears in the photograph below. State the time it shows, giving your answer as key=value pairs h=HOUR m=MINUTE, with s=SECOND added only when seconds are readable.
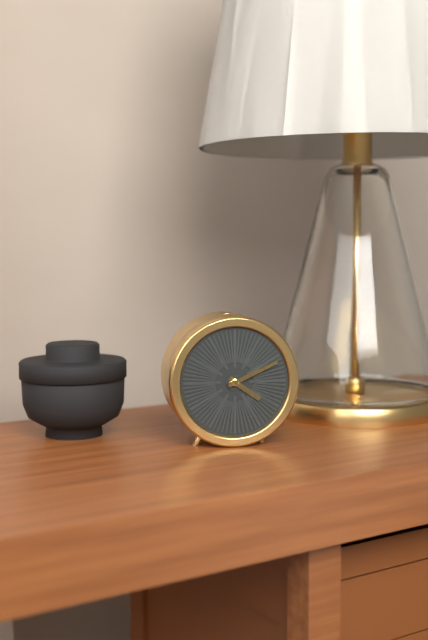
h=4 m=11
